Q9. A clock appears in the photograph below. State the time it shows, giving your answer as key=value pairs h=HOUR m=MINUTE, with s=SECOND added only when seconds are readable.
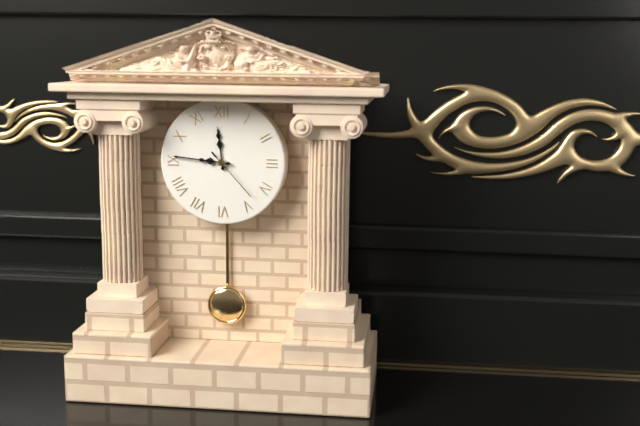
h=11 m=46 s=23
